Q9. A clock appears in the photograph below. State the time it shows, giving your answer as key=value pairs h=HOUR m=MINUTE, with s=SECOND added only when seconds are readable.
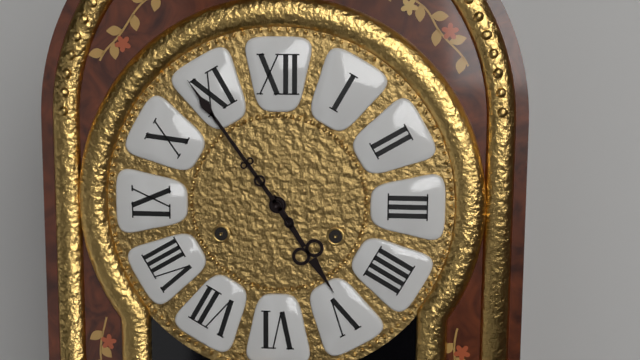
h=4 m=54
